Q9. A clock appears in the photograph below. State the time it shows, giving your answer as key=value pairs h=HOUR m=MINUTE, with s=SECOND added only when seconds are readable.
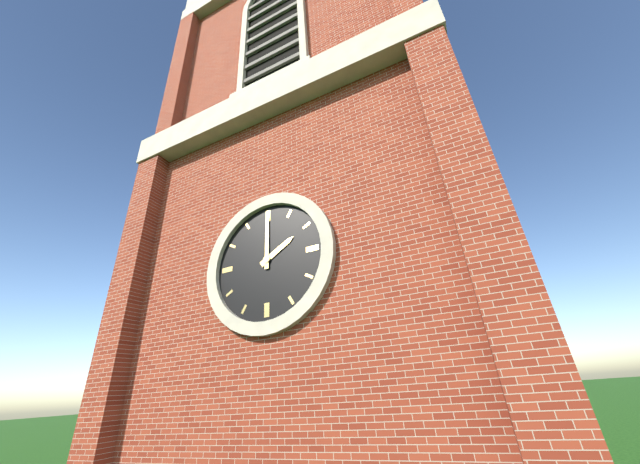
h=2 m=0
